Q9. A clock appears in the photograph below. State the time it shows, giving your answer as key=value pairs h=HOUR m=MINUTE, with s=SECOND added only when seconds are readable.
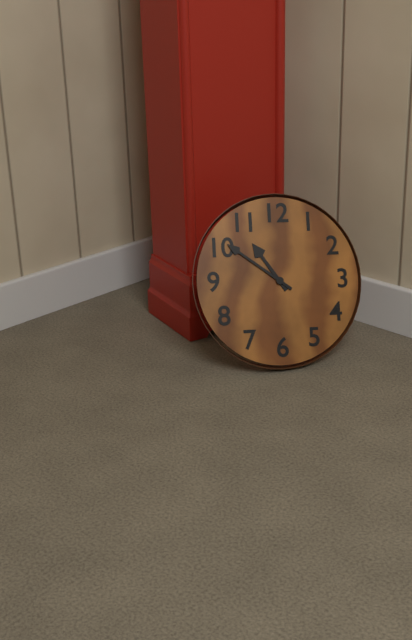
h=10 m=51
